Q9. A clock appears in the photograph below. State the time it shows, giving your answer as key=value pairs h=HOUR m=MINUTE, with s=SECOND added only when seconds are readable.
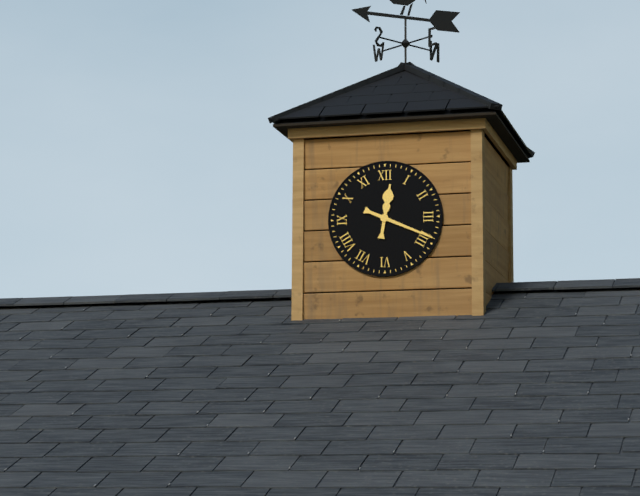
h=12 m=19
